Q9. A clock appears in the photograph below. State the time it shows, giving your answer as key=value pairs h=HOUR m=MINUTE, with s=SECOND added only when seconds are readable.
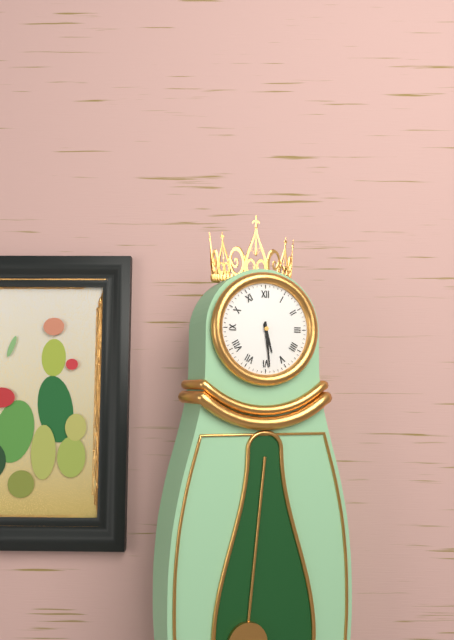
h=5 m=29
